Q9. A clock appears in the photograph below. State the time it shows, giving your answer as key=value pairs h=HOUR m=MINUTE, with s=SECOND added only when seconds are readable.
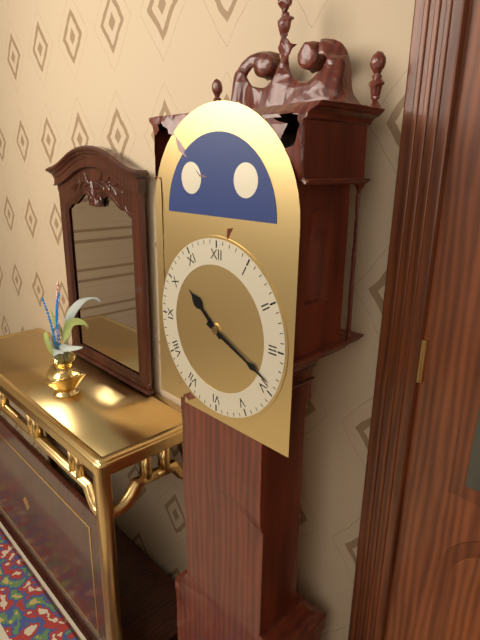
h=10 m=19
